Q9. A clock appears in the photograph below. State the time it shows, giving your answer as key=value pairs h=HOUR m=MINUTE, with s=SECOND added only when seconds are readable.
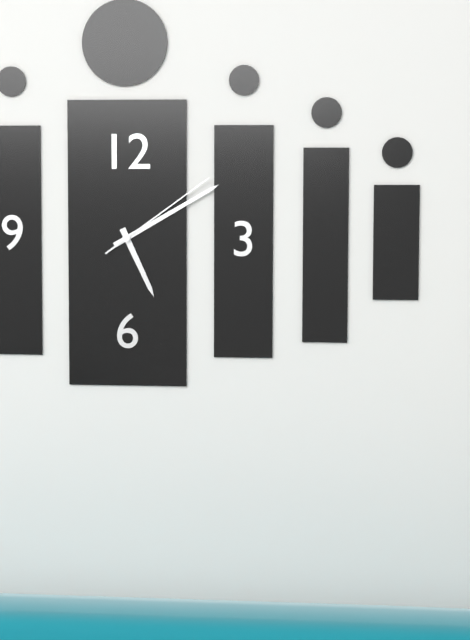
h=5 m=10 s=9
